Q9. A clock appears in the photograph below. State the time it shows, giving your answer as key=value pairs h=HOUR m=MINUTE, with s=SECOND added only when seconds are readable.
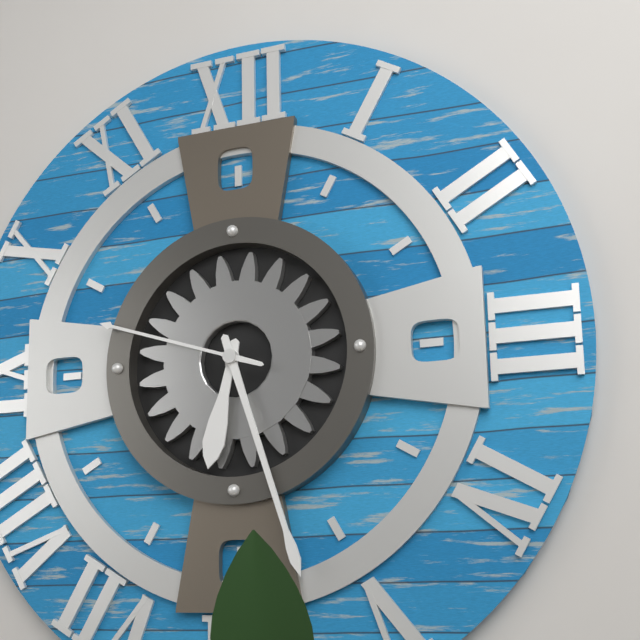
h=6 m=27 s=48
